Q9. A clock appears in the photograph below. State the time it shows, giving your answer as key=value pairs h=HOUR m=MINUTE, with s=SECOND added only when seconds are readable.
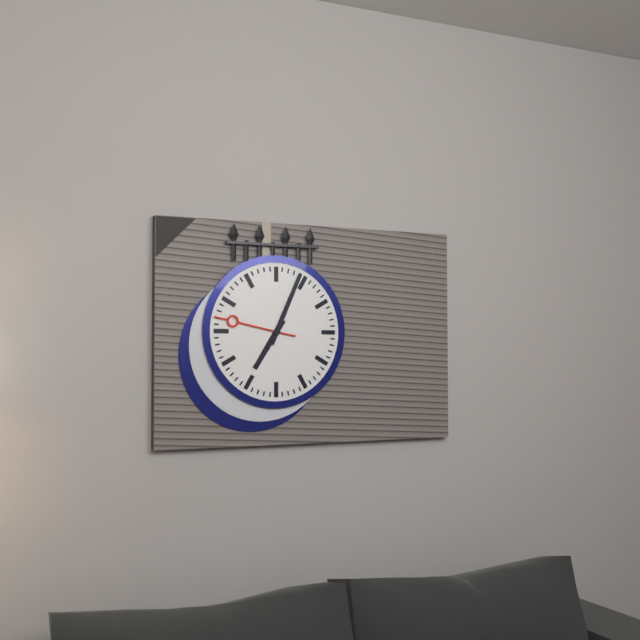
h=7 m=4 s=47
